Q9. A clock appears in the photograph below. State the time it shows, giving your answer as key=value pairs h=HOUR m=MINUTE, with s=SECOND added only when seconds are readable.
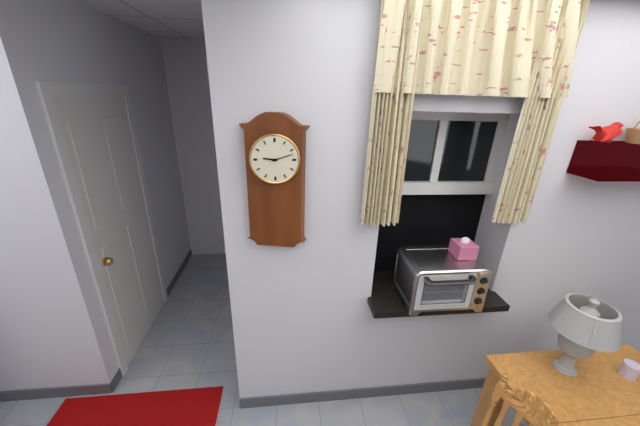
h=9 m=12
